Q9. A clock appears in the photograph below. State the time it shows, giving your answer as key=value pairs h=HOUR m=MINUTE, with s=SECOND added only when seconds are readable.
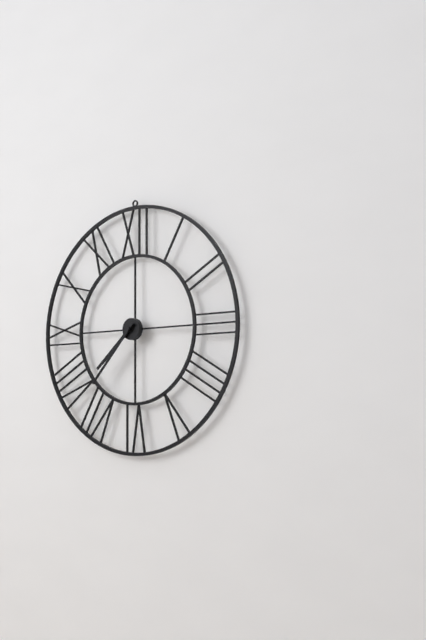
h=7 m=37
